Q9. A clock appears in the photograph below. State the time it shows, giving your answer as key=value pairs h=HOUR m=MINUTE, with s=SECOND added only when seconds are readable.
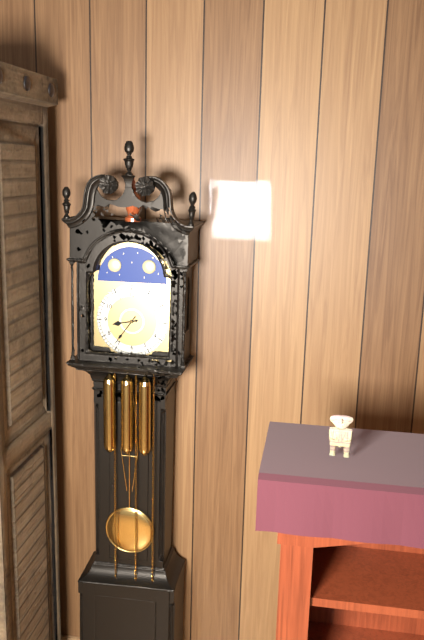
h=8 m=36
